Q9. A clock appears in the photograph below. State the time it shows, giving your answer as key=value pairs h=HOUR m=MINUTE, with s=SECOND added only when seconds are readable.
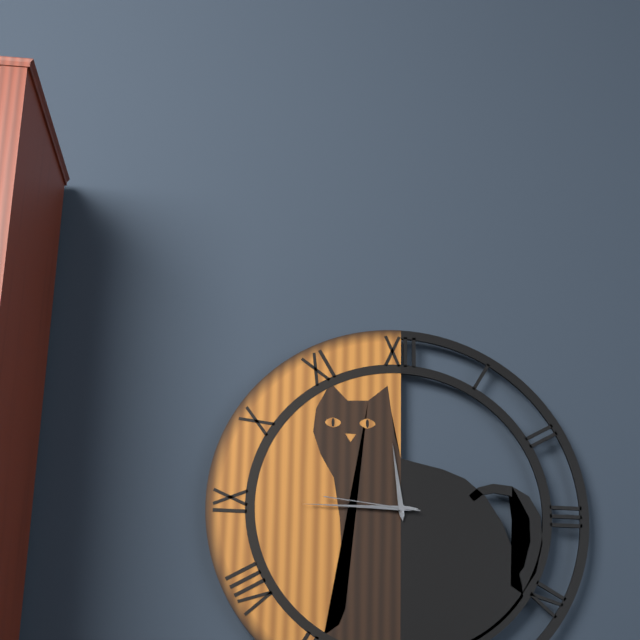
h=11 m=45 s=46
